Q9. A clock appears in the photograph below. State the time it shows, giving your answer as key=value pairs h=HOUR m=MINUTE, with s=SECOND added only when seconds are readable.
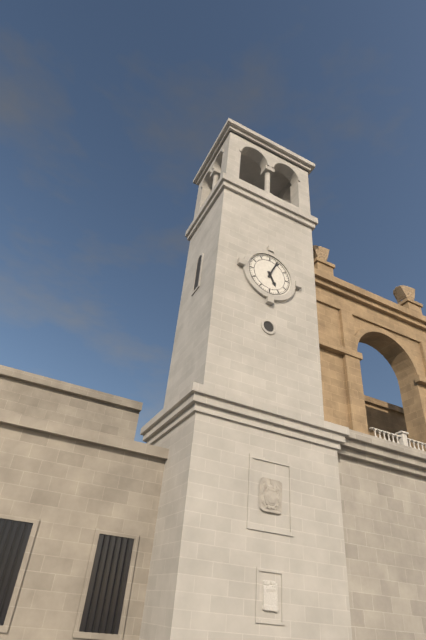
h=5 m=4
